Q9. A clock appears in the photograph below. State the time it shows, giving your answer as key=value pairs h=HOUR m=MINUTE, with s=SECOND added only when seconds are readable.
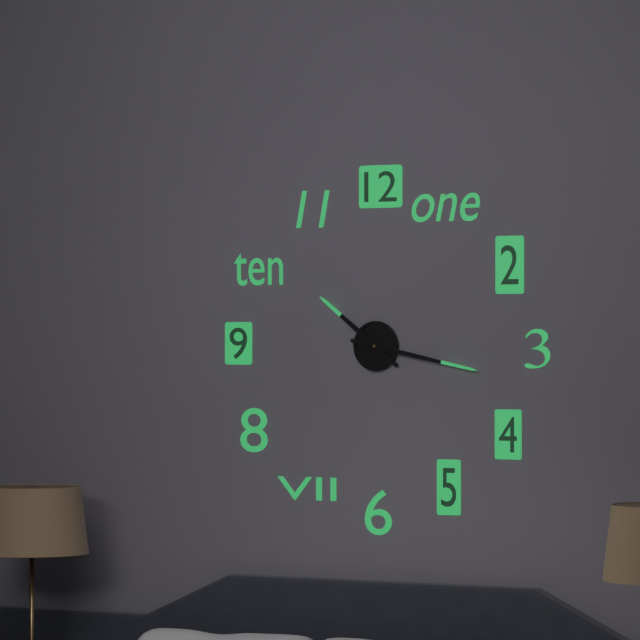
h=10 m=17
